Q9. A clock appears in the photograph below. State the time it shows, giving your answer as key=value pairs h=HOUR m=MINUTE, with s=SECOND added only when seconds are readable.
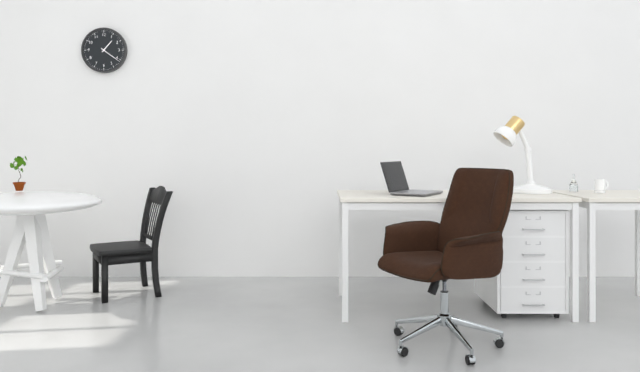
h=1 m=21
